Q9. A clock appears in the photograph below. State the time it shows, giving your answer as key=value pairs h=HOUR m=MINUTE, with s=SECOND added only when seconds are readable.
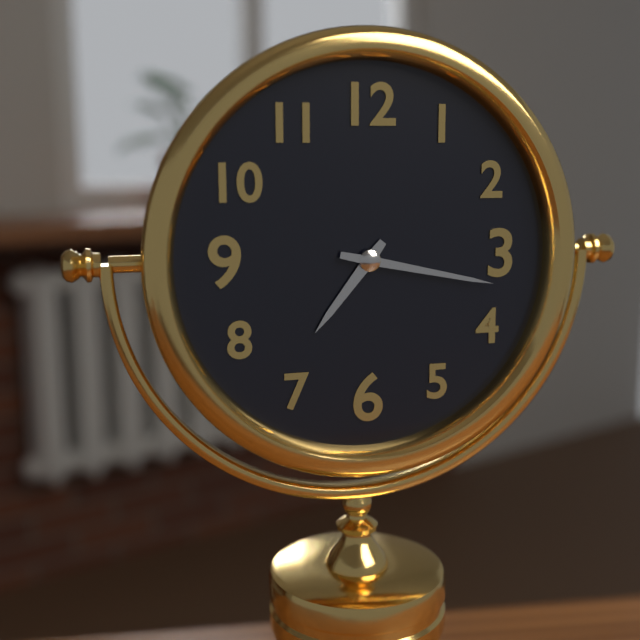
h=7 m=17
